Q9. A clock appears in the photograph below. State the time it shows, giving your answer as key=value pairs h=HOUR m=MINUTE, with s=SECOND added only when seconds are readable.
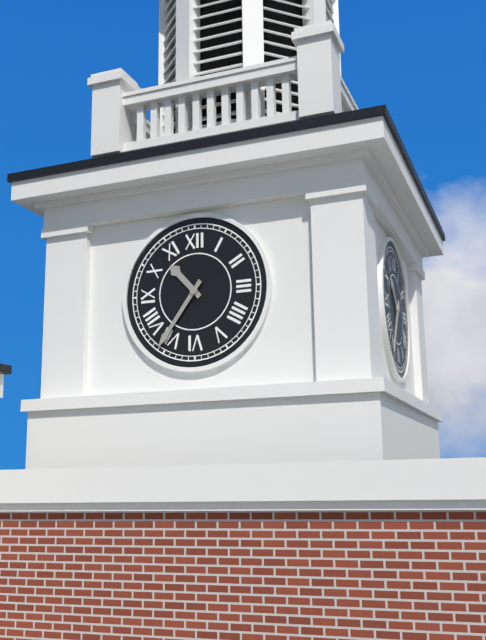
h=10 m=36
